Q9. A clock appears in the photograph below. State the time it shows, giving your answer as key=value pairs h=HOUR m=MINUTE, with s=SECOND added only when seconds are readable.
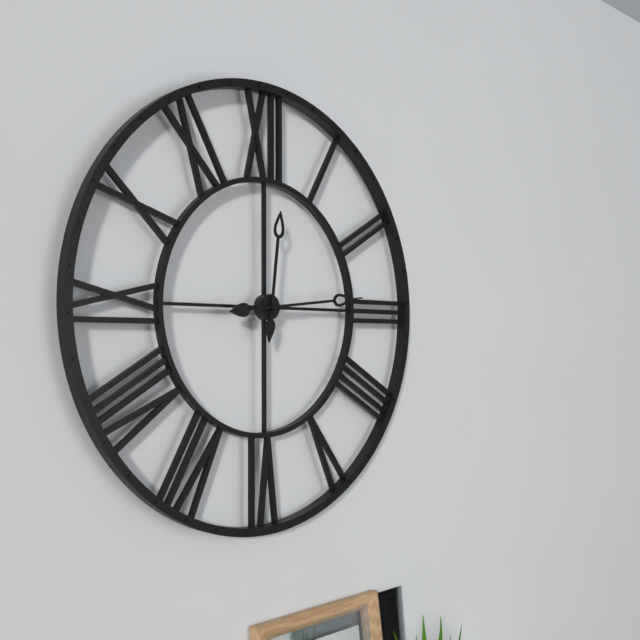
h=12 m=14
